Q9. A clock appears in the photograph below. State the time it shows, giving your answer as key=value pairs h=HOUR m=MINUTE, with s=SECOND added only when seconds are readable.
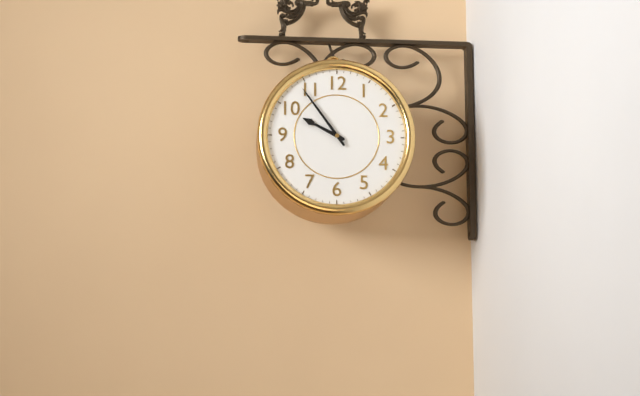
h=9 m=54
